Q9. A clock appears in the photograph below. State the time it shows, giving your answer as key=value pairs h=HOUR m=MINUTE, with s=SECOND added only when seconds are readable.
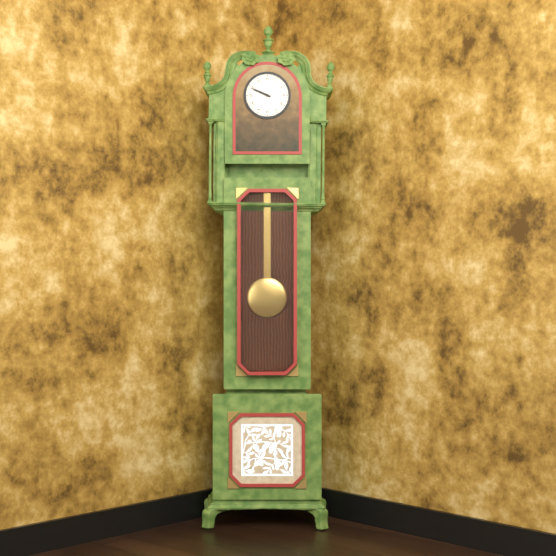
h=9 m=49
